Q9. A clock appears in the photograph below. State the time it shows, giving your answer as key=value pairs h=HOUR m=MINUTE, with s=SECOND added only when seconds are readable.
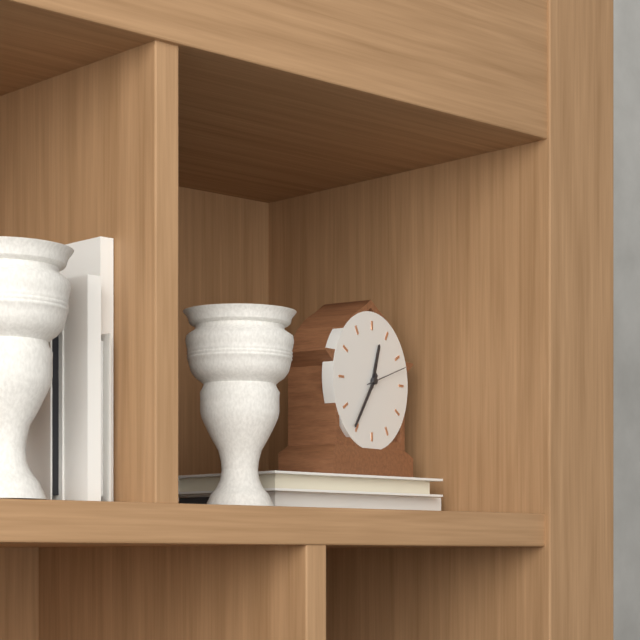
h=12 m=36
